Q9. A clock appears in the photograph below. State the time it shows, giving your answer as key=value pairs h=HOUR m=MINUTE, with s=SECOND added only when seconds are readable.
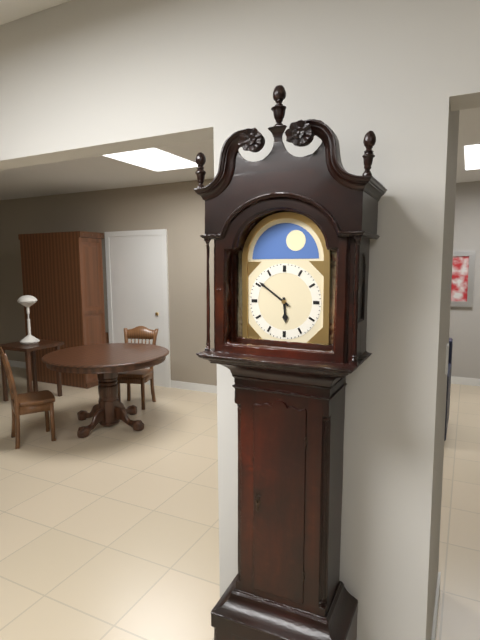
h=5 m=51
